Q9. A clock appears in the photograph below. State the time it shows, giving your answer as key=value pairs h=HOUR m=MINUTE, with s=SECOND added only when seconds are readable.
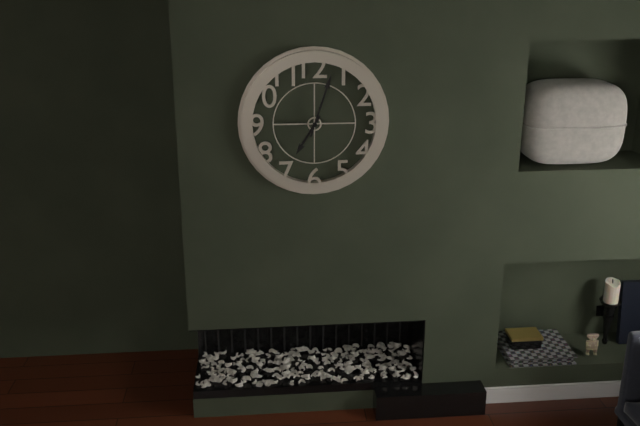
h=7 m=3
